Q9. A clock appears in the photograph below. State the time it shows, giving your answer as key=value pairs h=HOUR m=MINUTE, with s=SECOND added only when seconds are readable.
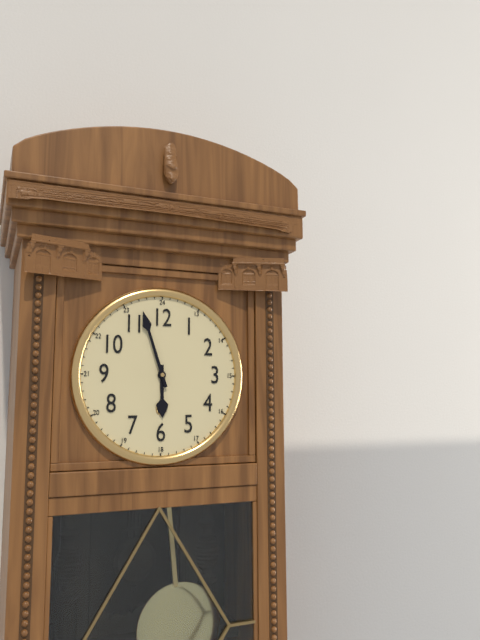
h=5 m=57
